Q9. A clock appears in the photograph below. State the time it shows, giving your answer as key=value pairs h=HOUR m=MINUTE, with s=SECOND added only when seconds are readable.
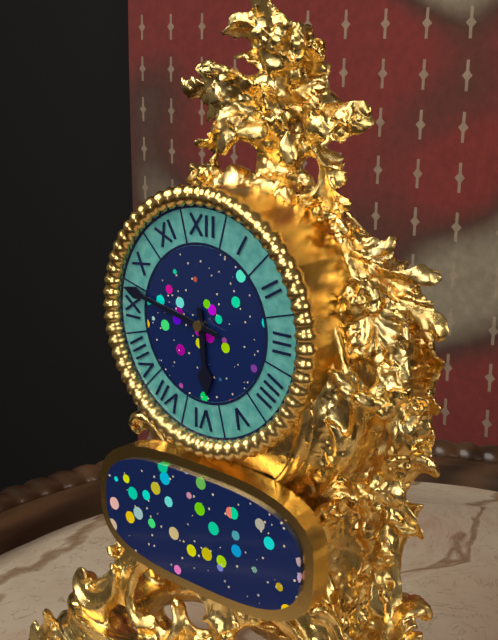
h=5 m=47
